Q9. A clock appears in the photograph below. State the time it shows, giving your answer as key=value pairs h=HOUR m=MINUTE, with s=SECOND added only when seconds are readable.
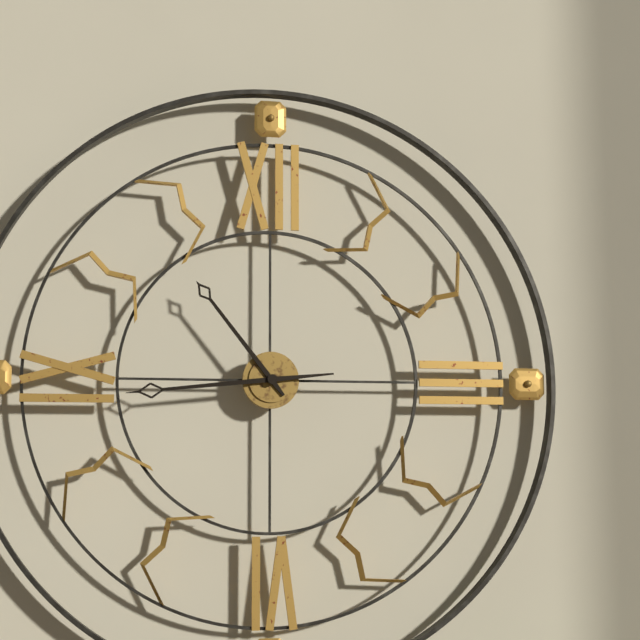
h=10 m=44
